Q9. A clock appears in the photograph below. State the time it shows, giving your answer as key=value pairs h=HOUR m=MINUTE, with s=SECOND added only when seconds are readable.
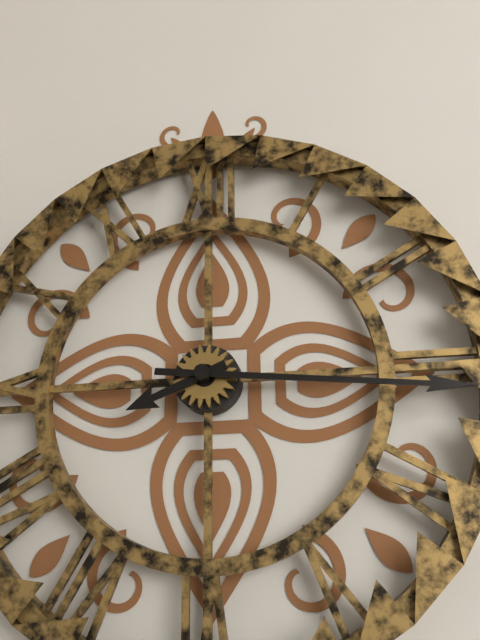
h=8 m=16
